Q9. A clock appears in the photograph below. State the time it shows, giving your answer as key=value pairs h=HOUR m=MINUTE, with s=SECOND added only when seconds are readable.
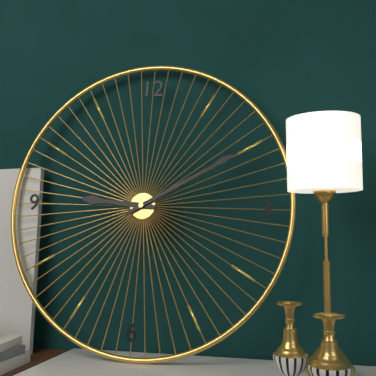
h=9 m=10
